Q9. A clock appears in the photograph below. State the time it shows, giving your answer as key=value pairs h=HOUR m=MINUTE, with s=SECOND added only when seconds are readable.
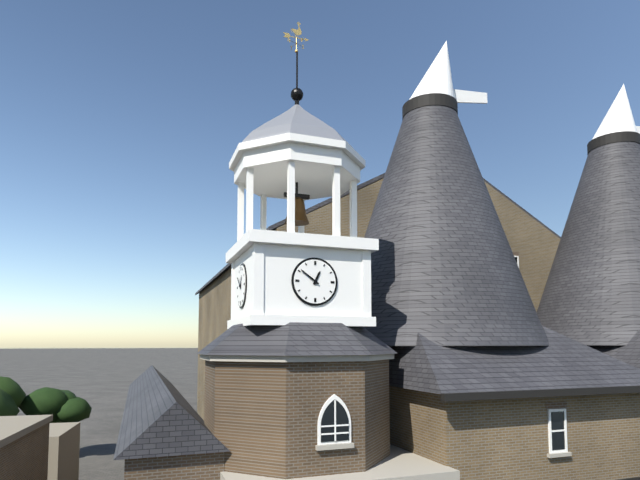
h=12 m=51
